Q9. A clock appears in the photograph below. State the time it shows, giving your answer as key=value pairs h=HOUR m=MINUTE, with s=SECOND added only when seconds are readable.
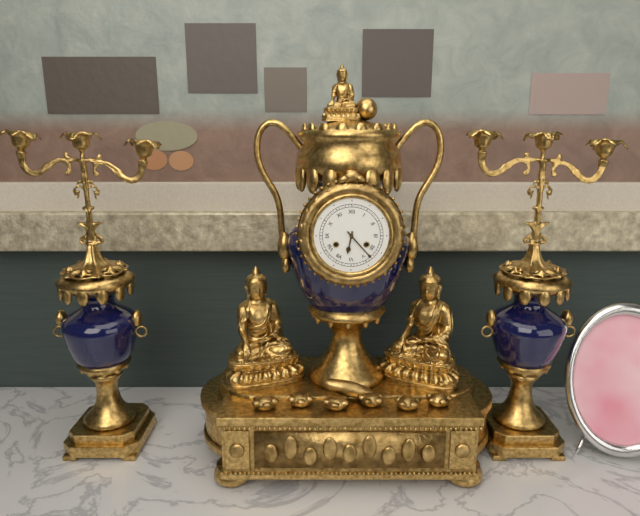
h=6 m=23
